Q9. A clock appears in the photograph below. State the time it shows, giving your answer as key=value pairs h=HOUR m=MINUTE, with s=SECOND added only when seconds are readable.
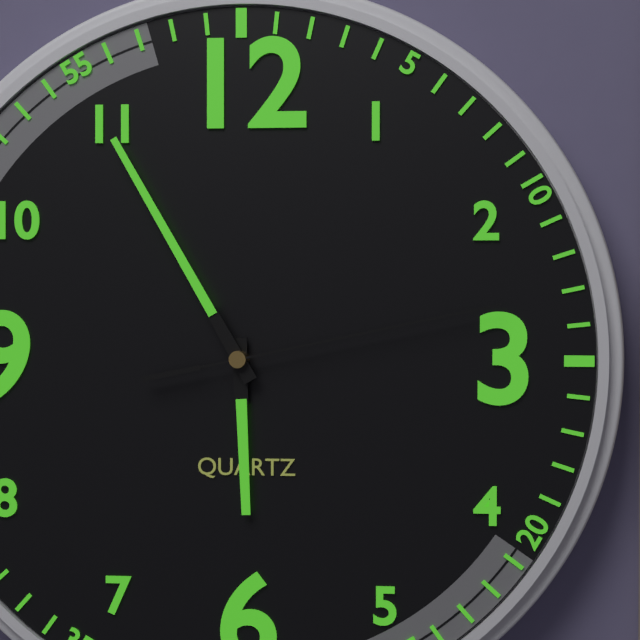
h=5 m=55 s=13
